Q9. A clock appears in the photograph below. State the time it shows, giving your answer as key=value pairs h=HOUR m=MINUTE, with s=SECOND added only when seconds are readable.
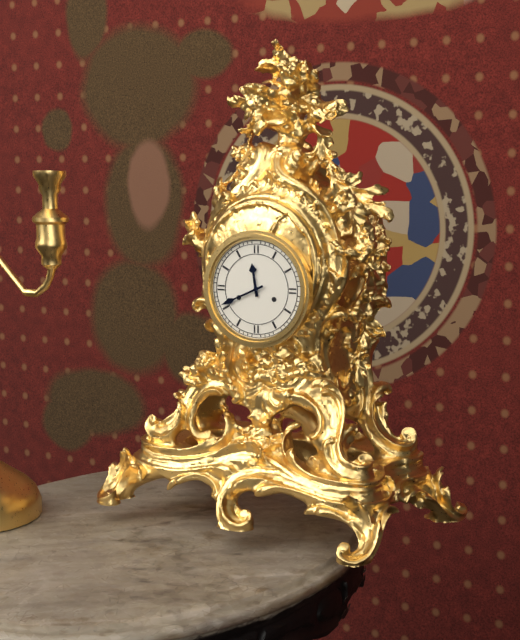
h=11 m=41
